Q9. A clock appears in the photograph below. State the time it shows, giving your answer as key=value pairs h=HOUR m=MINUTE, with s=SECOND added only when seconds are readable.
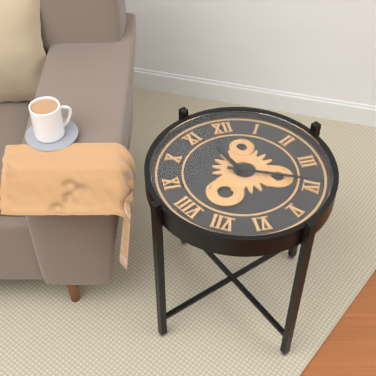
h=11 m=19
